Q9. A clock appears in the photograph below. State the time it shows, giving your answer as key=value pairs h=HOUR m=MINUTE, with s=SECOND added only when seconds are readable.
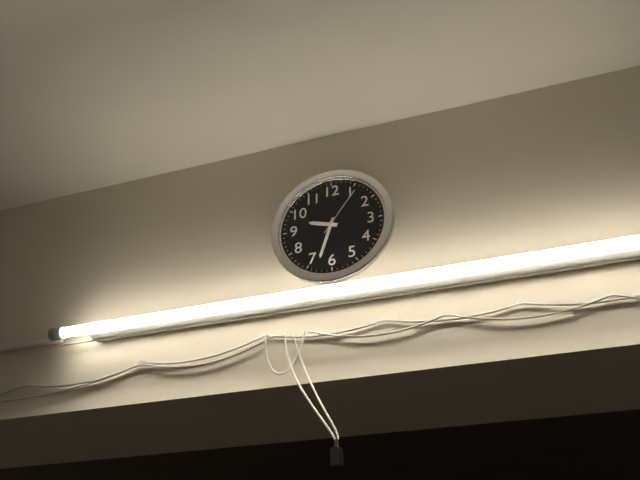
h=9 m=33 s=6
